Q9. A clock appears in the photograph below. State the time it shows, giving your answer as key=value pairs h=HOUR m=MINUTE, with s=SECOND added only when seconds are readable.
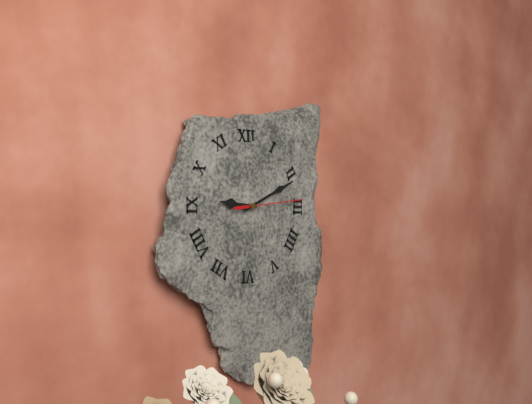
h=9 m=11 s=14
